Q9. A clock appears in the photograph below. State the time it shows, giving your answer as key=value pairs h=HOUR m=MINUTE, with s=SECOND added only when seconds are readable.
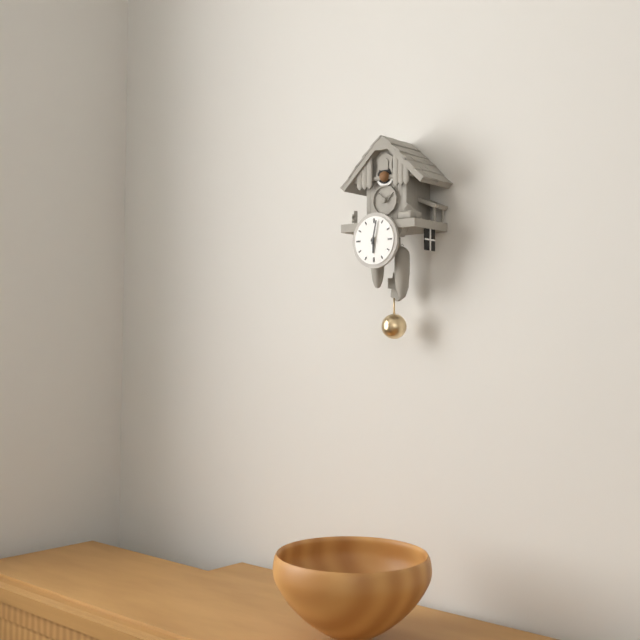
h=6 m=2
